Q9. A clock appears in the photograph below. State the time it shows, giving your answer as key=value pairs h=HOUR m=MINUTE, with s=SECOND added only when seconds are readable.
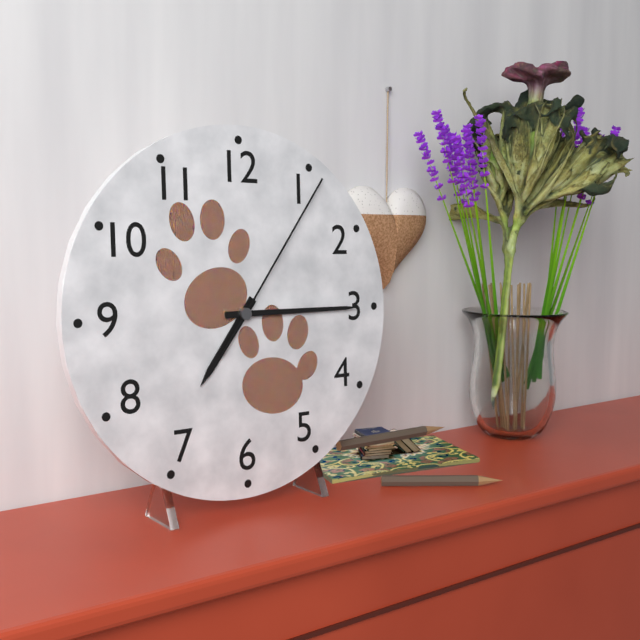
h=7 m=15 s=6
